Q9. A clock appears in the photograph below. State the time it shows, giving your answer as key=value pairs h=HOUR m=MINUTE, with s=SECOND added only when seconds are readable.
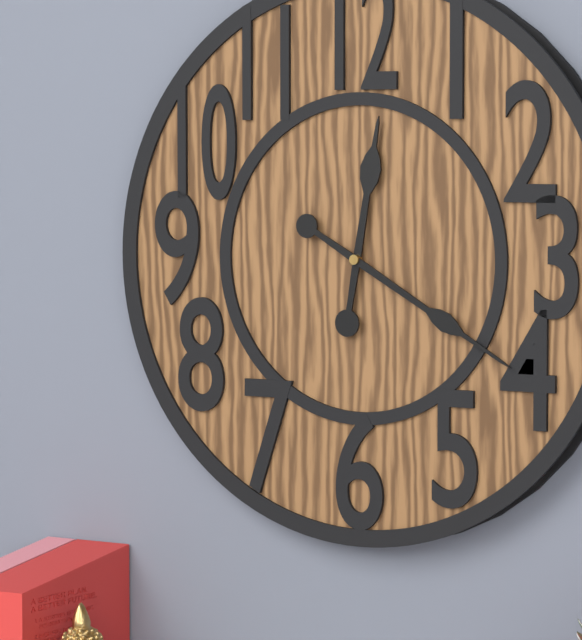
h=12 m=20
